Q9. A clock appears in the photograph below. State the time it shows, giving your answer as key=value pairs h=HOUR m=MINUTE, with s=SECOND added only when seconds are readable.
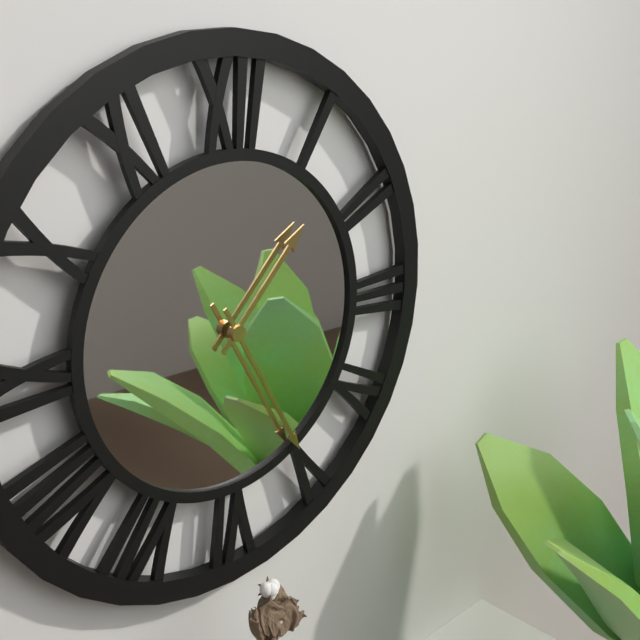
h=1 m=25
